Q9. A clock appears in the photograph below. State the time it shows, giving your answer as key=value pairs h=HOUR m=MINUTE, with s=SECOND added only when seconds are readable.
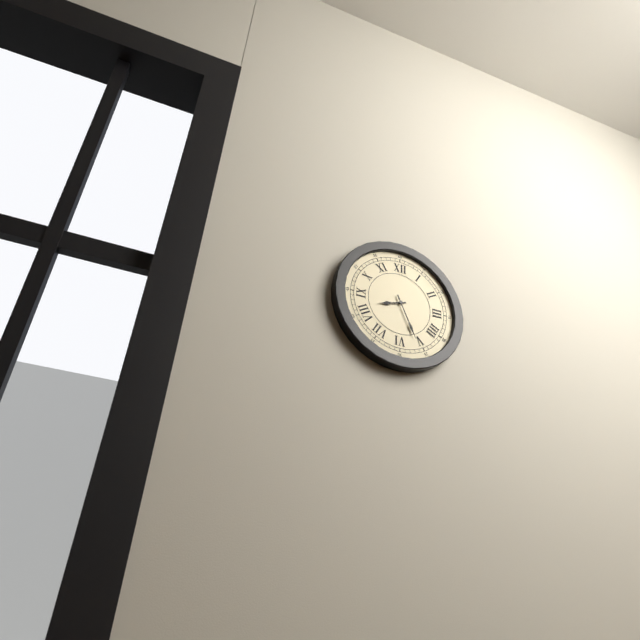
h=8 m=26
